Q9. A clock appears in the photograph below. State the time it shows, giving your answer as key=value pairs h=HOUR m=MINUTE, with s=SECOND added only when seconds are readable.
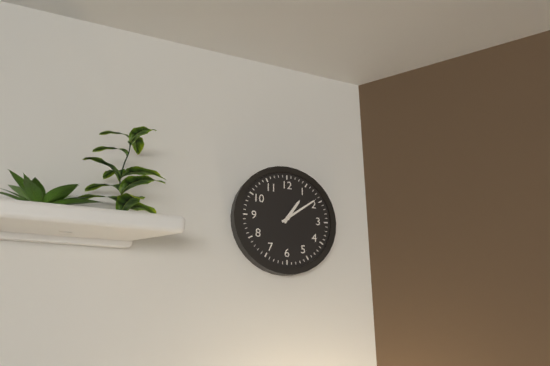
h=1 m=9
